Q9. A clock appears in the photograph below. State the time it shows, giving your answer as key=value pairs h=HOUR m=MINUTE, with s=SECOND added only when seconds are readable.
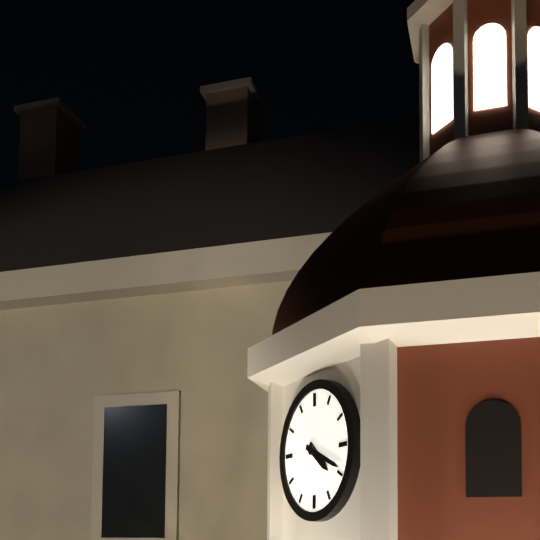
h=4 m=19
